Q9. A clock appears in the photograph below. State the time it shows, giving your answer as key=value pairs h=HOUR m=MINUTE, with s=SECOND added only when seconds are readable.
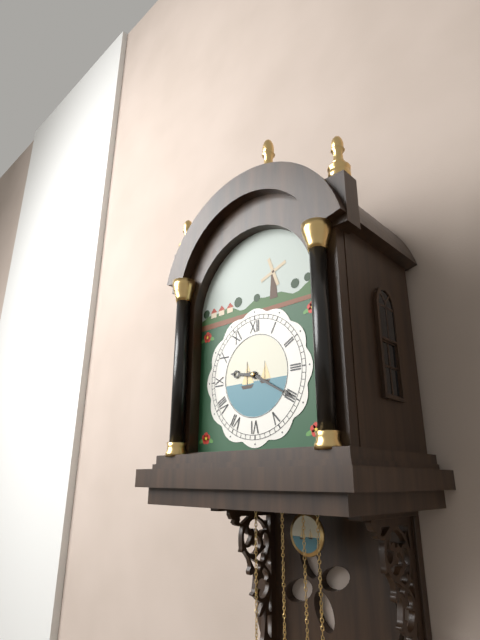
h=9 m=20
